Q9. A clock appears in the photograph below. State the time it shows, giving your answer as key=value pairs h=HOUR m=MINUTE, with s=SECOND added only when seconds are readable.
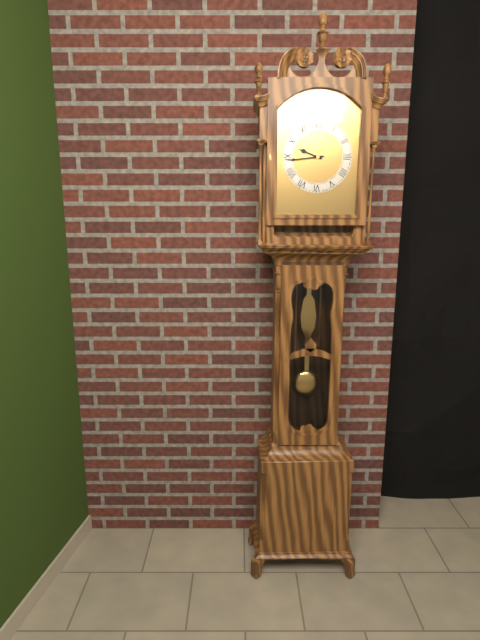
h=9 m=44
